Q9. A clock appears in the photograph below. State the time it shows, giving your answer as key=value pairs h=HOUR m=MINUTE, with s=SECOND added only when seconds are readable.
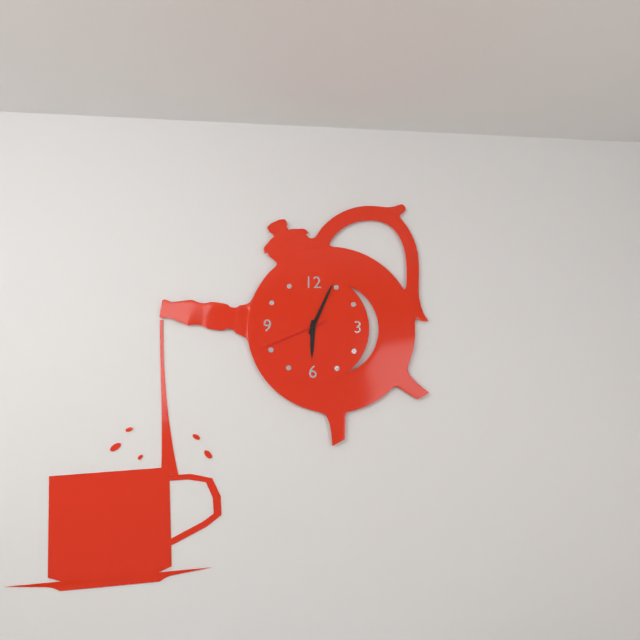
h=6 m=4 s=41
